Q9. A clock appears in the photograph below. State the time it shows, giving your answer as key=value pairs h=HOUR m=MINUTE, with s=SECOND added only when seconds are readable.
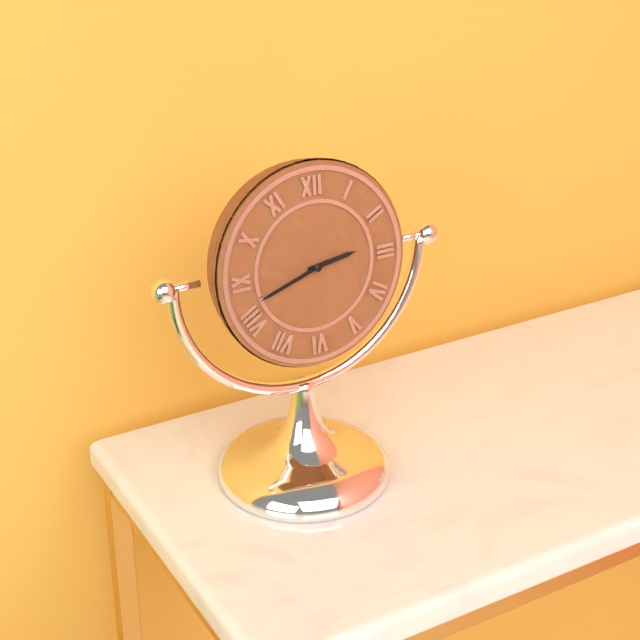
h=2 m=42
